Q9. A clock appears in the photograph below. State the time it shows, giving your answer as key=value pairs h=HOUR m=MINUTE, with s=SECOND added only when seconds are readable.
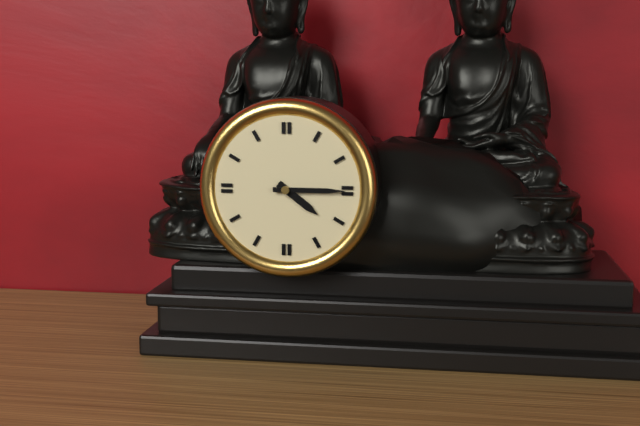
h=4 m=15
